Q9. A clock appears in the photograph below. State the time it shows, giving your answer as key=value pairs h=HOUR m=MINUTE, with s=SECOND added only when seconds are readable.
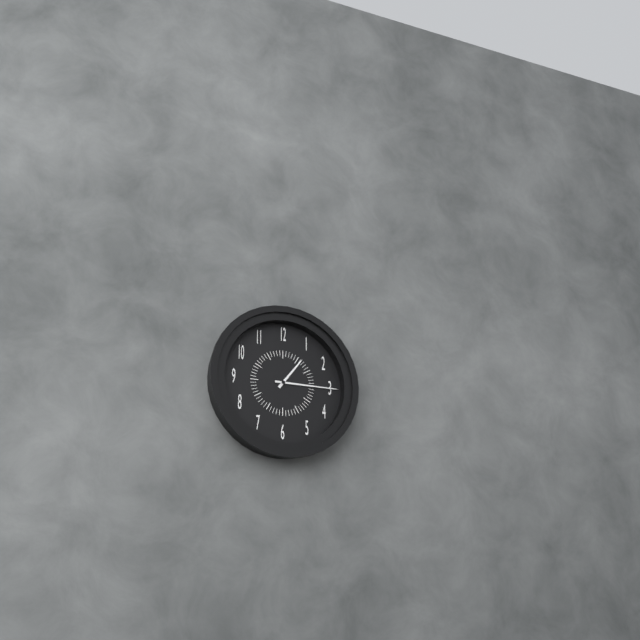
h=1 m=15
